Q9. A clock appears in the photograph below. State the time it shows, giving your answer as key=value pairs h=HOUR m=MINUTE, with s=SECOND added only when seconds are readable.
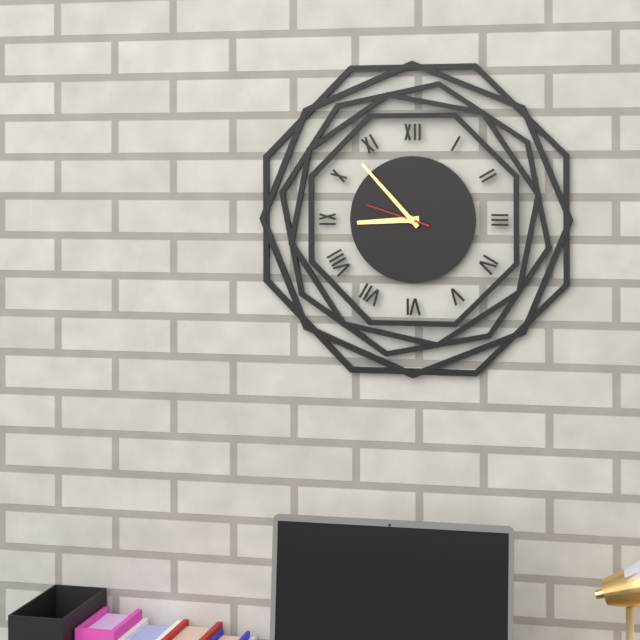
h=8 m=53 s=48
